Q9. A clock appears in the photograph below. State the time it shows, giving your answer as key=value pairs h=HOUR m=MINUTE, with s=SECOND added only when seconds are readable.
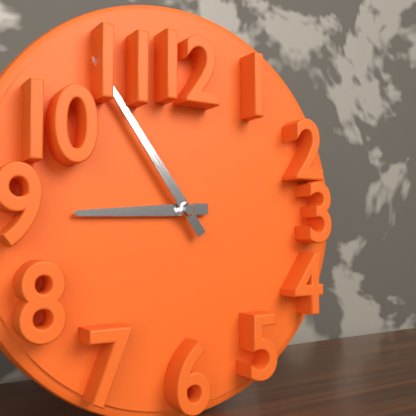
h=8 m=54
